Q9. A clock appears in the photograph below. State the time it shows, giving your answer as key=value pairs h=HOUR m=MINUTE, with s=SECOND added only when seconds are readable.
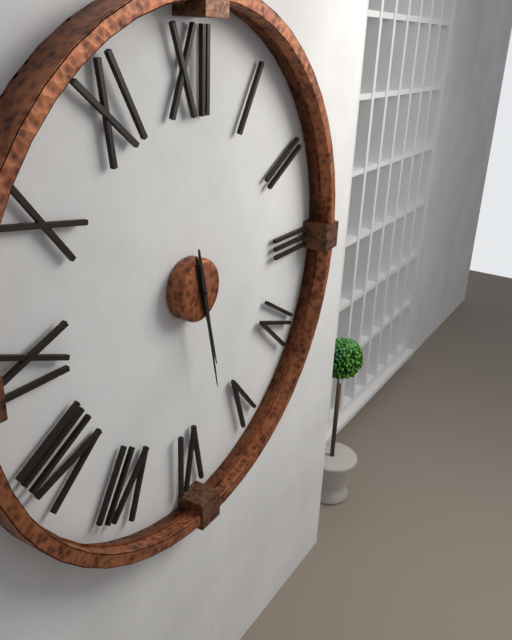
h=5 m=28
